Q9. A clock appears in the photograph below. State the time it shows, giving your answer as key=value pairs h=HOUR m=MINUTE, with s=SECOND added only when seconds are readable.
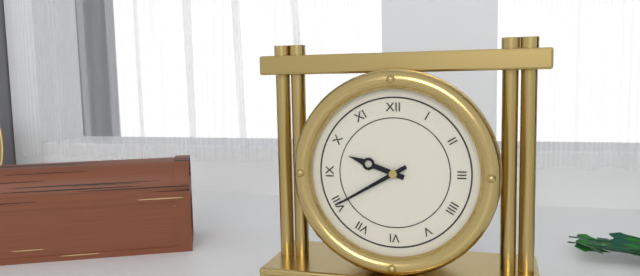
h=9 m=40
